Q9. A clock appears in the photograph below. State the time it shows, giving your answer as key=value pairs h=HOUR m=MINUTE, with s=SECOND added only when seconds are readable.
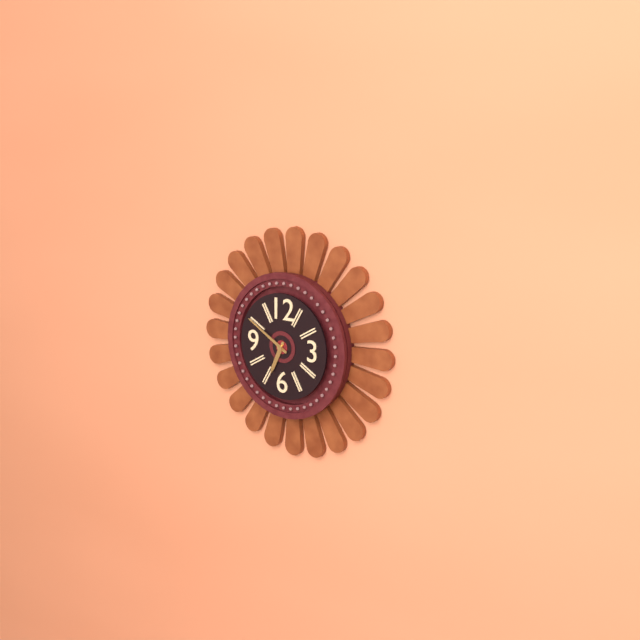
h=6 m=50
